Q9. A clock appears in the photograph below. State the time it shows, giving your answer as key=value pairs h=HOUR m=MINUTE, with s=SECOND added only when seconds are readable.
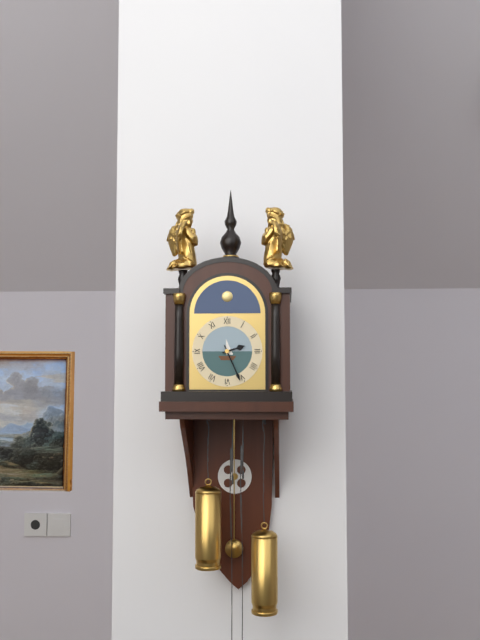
h=2 m=26
